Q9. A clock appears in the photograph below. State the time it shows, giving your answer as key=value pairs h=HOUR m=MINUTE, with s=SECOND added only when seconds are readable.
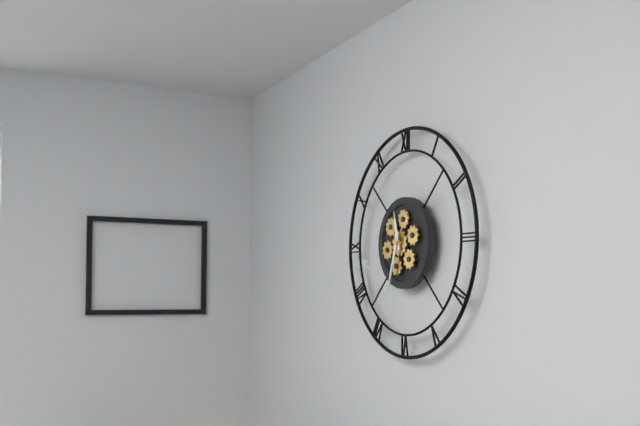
h=11 m=33
